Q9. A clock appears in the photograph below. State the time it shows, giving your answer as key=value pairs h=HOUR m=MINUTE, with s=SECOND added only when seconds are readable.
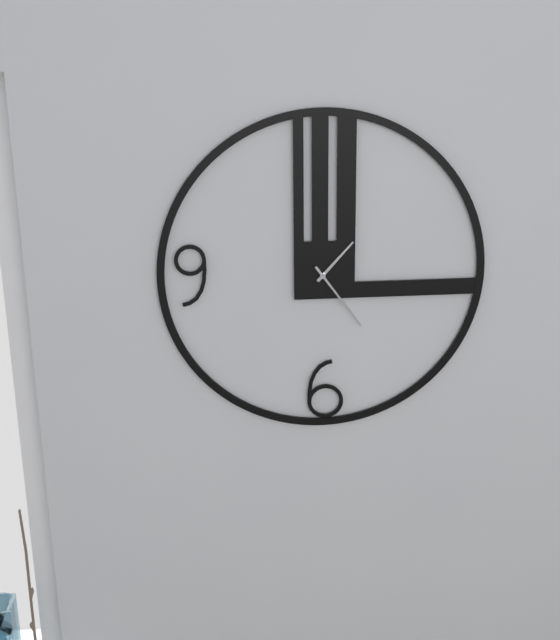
h=1 m=24
